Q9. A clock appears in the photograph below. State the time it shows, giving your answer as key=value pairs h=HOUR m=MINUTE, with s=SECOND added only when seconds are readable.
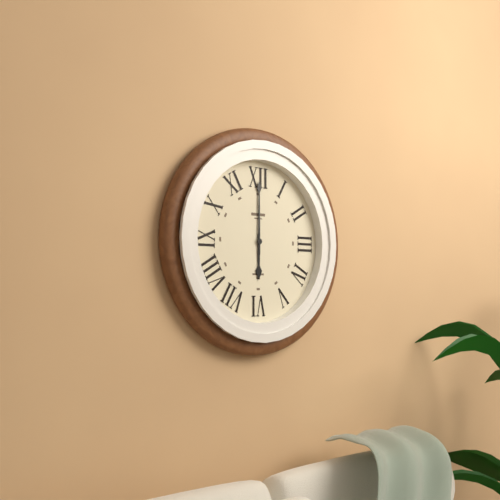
h=6 m=0
